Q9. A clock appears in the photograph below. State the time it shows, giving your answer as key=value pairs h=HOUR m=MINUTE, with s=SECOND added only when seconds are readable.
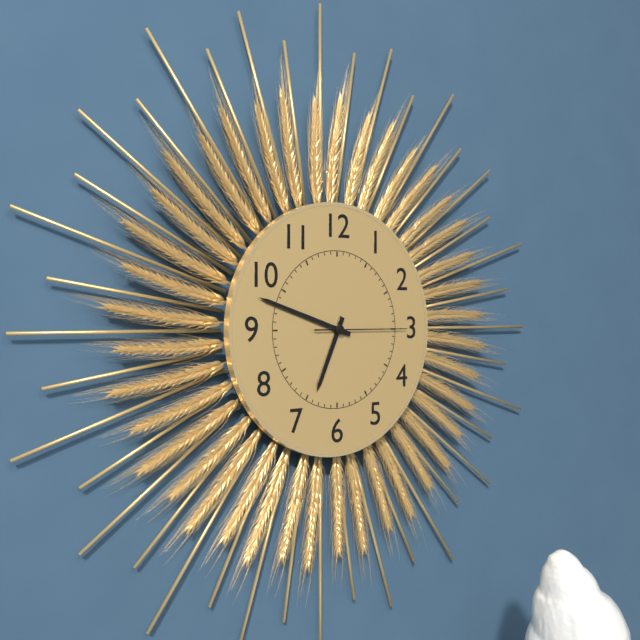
h=6 m=48 s=15
